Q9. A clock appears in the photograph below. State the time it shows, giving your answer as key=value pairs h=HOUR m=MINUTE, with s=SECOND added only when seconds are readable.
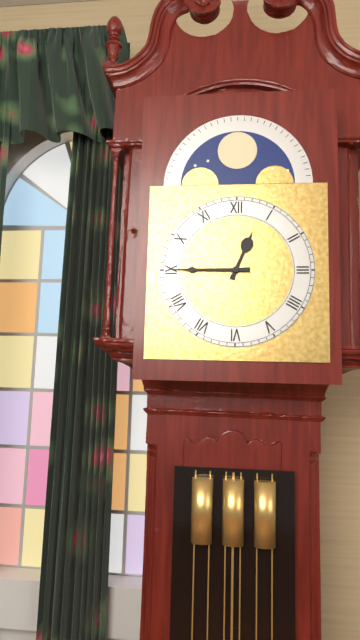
h=12 m=45
